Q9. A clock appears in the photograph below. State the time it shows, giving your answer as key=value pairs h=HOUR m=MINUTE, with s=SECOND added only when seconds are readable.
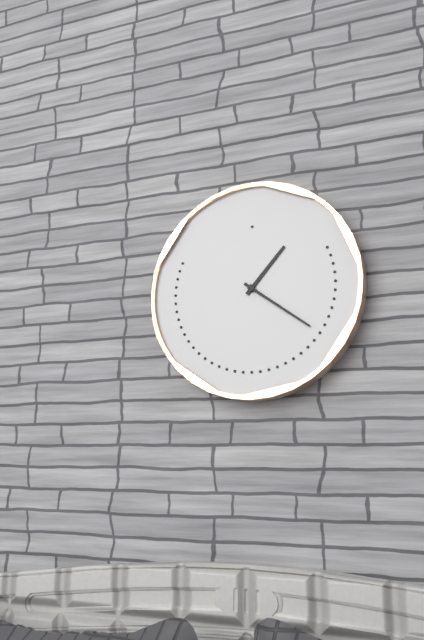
h=1 m=21
